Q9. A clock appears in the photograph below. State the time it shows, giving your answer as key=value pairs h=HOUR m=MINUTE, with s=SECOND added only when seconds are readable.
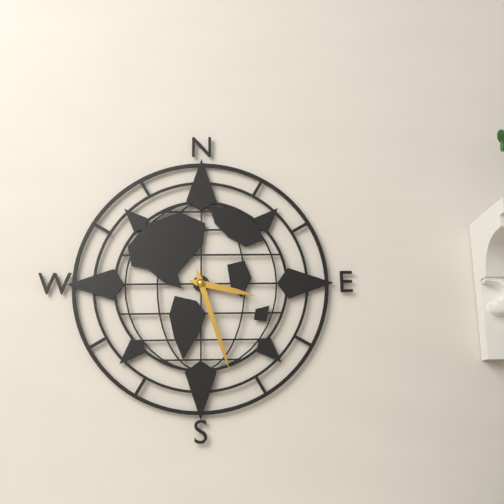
h=3 m=27
